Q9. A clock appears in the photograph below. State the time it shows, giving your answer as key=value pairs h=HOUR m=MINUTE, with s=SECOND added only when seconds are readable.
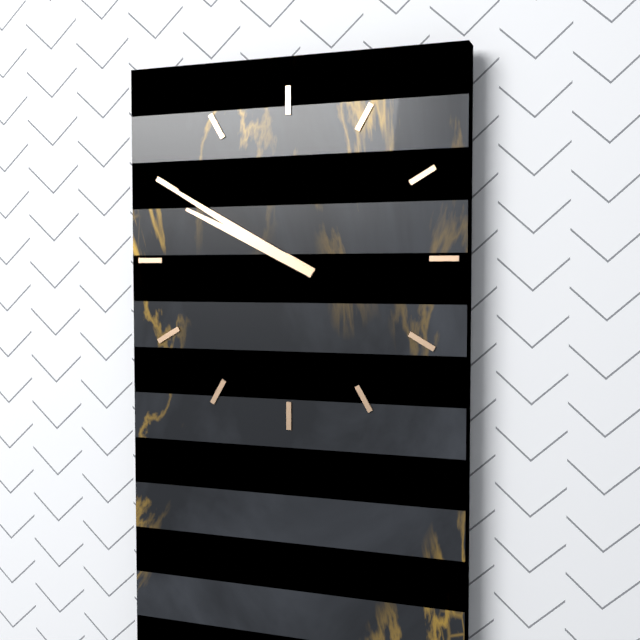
h=9 m=50
